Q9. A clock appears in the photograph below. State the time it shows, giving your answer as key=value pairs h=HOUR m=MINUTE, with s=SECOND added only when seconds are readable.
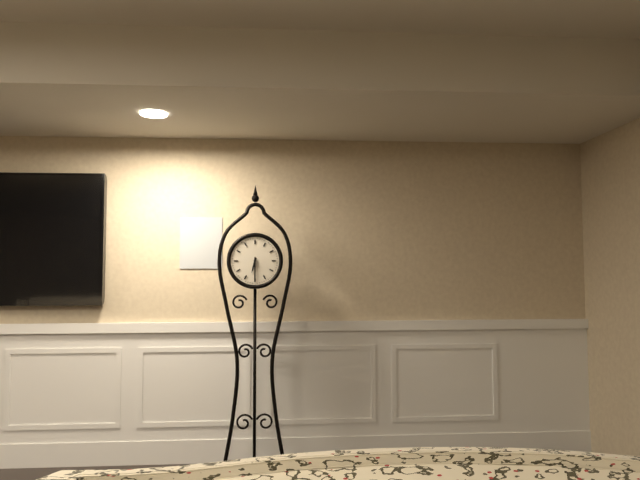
h=6 m=30
